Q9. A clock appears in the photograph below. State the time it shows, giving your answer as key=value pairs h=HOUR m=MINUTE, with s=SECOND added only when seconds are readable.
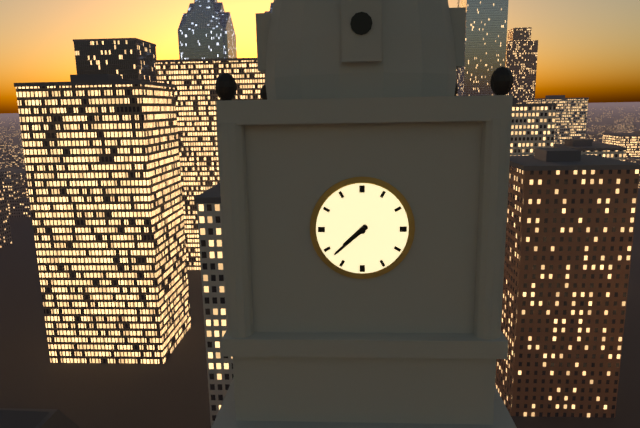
h=7 m=38
